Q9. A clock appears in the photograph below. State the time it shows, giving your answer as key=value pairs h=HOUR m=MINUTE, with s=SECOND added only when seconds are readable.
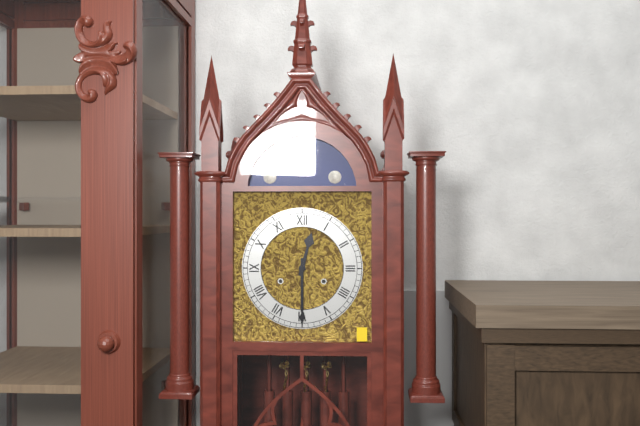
h=12 m=30
